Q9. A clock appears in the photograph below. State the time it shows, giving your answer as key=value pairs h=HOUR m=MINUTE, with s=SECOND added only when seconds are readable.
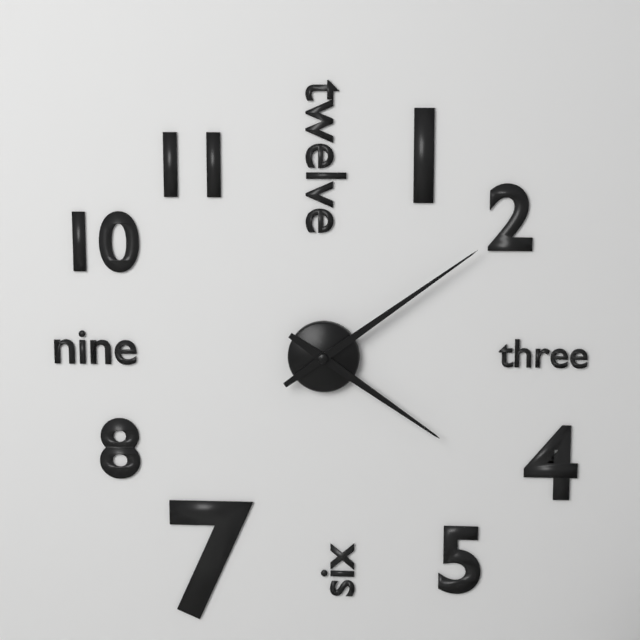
h=4 m=9
